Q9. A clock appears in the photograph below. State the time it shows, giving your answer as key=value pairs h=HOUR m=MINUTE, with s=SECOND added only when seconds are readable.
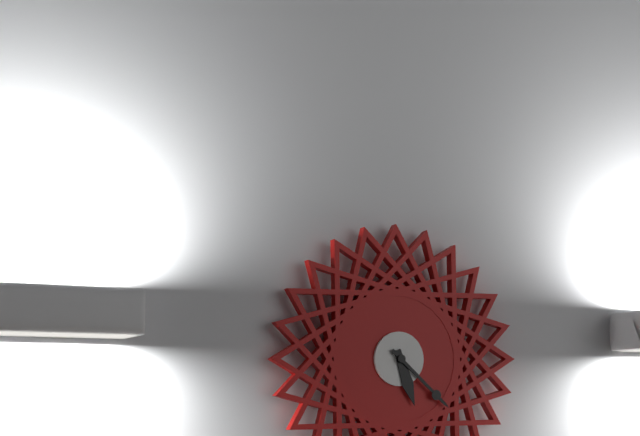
h=5 m=22
